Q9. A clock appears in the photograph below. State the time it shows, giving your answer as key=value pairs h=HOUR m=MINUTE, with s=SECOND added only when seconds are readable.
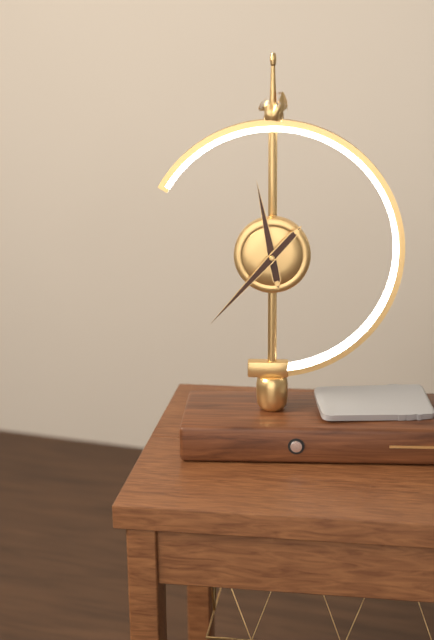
h=11 m=37
